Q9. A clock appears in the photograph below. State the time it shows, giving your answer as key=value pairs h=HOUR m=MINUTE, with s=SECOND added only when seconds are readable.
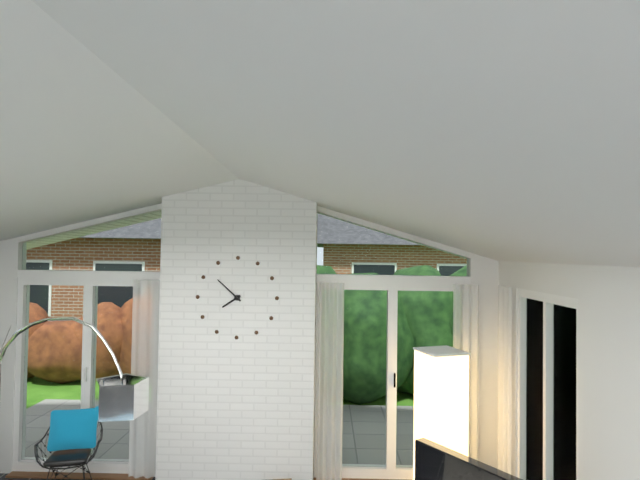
h=7 m=52
